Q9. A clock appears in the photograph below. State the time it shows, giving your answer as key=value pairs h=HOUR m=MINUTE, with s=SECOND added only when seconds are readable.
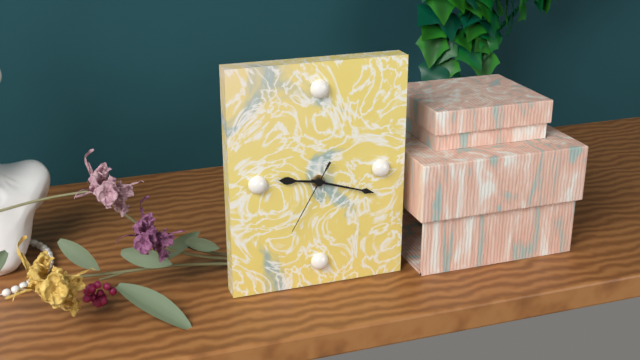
h=9 m=18 s=35
